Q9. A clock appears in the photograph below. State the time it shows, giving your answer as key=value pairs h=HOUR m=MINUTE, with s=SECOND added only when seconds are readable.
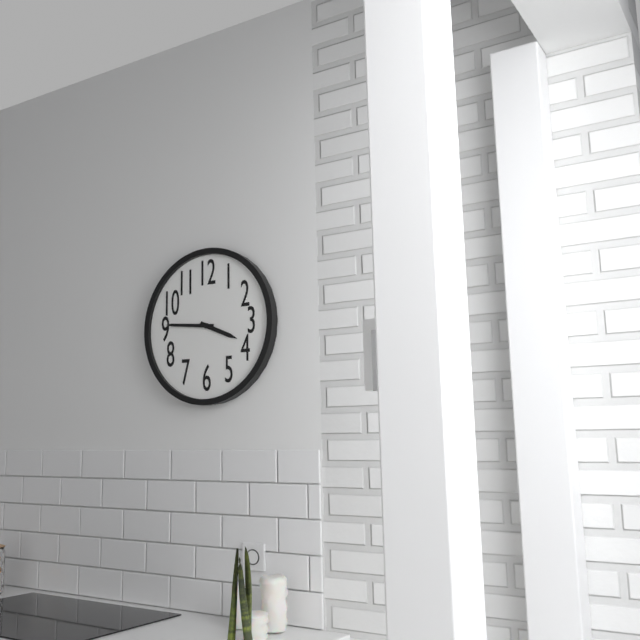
h=3 m=46
